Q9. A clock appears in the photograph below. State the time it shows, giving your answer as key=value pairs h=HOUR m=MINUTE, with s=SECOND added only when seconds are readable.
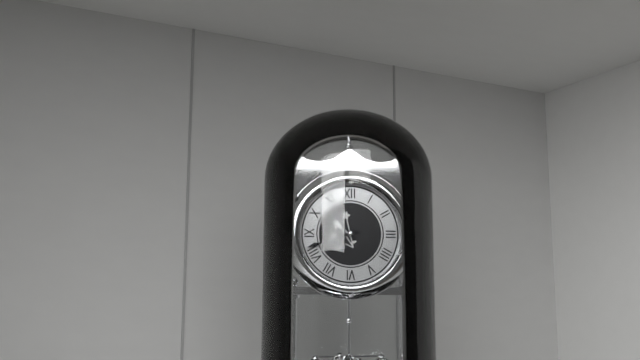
h=10 m=42
